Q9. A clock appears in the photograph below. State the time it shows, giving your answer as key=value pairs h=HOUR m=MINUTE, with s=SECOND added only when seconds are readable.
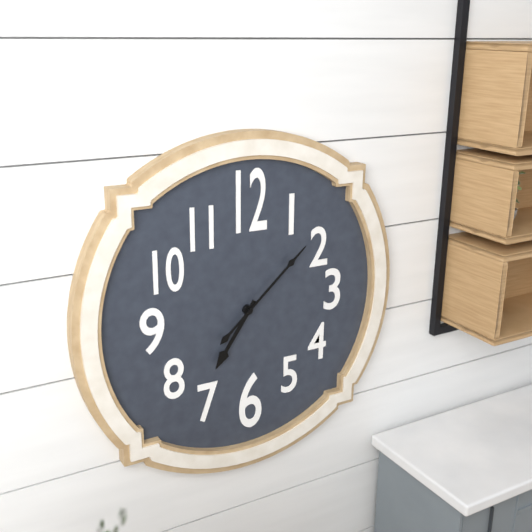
h=7 m=8
